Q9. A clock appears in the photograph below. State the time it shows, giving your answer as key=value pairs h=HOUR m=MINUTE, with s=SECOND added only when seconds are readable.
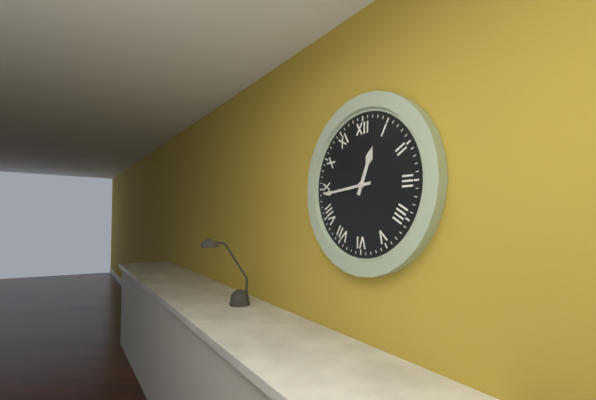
h=12 m=44
